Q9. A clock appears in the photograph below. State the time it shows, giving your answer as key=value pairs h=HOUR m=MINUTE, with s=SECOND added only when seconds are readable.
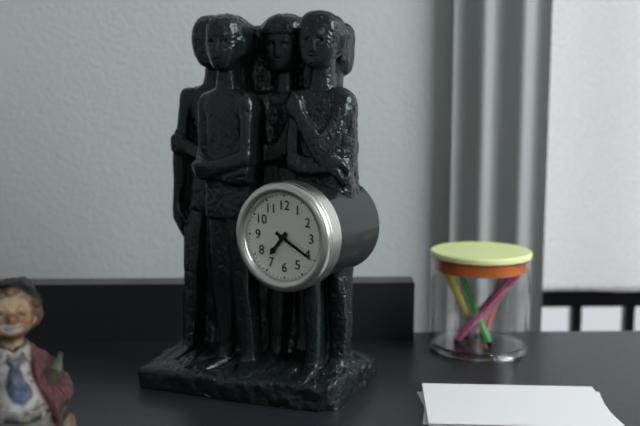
h=7 m=20
